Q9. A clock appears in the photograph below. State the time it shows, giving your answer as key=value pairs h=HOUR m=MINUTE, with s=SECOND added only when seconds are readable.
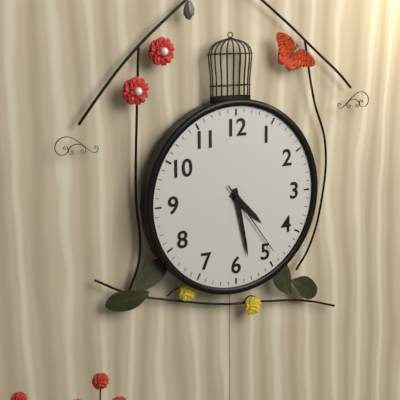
h=4 m=28 s=24
